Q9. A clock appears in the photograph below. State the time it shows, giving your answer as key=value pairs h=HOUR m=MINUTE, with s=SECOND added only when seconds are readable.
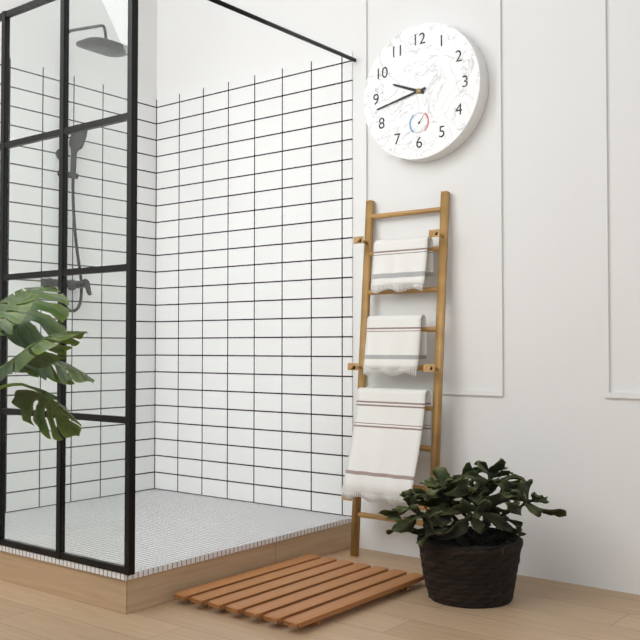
h=9 m=43
